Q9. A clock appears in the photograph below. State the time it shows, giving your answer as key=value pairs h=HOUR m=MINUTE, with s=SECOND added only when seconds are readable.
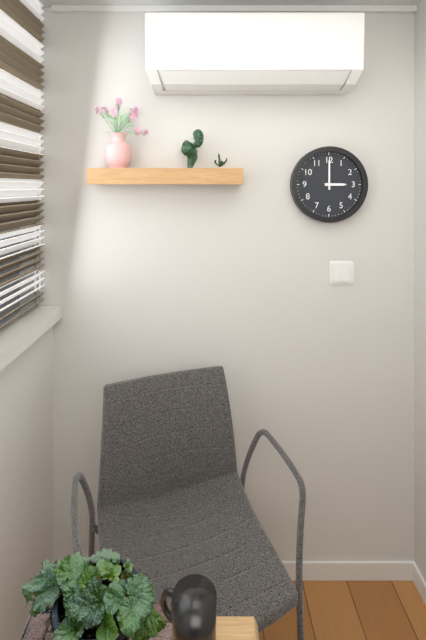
h=3 m=0
